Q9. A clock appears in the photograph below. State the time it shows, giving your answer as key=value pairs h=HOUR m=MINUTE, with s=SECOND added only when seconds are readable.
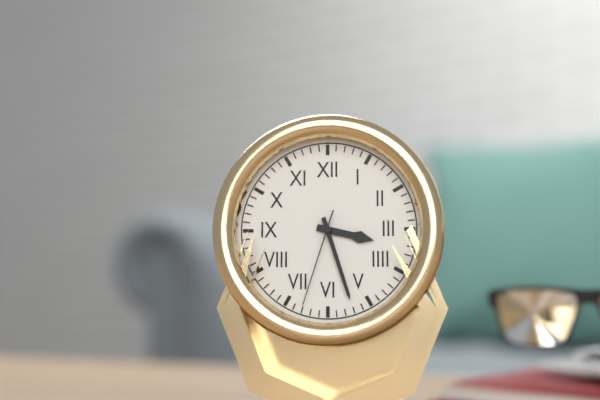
h=3 m=27 s=33
